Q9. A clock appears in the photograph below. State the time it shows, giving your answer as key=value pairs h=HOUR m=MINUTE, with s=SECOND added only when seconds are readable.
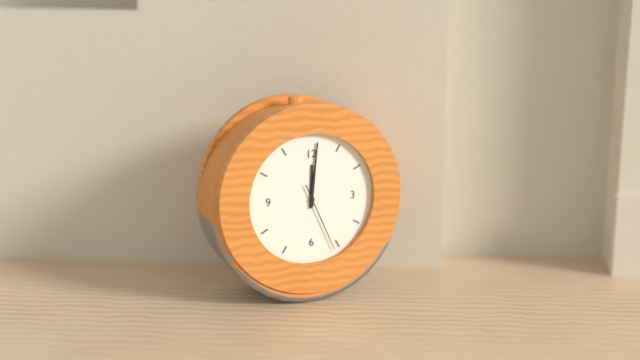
h=12 m=1 s=26
